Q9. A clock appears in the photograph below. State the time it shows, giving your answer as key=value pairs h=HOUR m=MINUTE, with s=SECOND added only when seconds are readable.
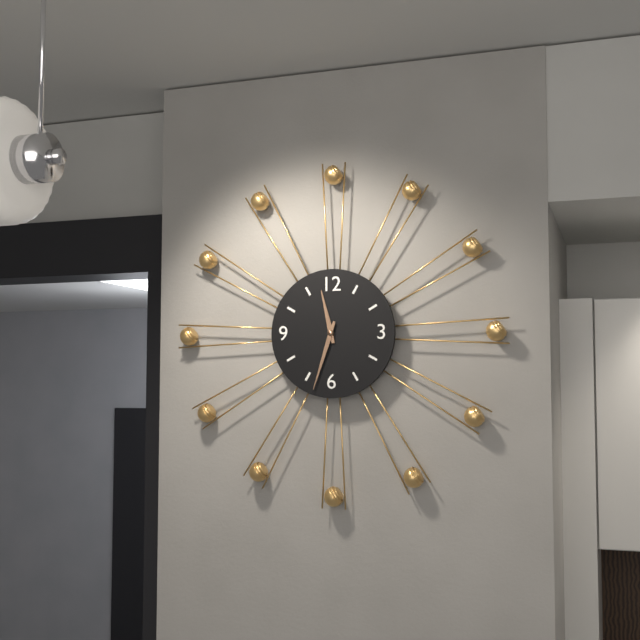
h=11 m=33
